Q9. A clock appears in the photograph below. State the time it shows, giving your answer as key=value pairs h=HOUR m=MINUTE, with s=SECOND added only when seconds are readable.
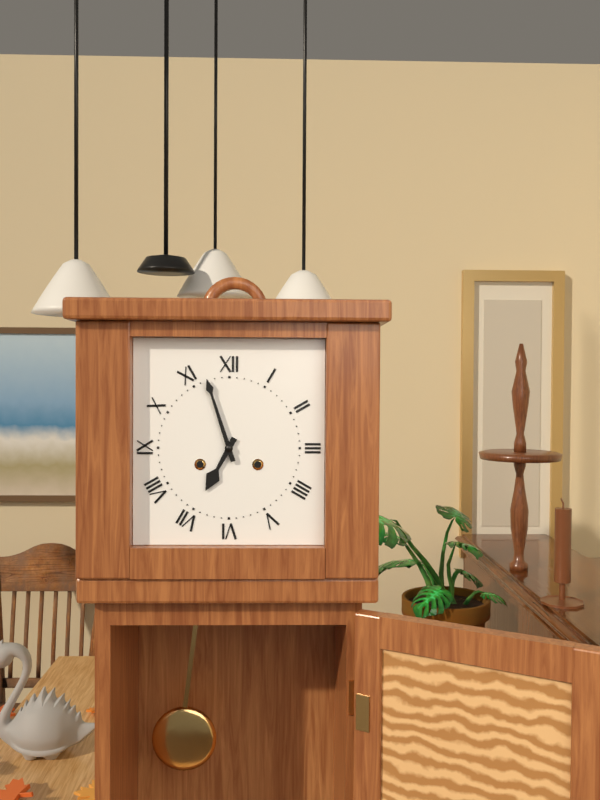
h=6 m=57
